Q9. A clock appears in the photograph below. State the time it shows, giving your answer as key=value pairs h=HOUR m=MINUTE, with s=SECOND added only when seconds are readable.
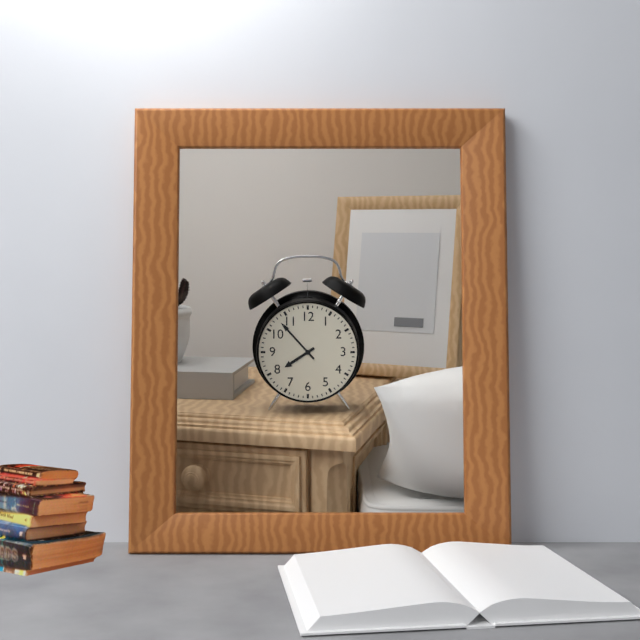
h=7 m=53
